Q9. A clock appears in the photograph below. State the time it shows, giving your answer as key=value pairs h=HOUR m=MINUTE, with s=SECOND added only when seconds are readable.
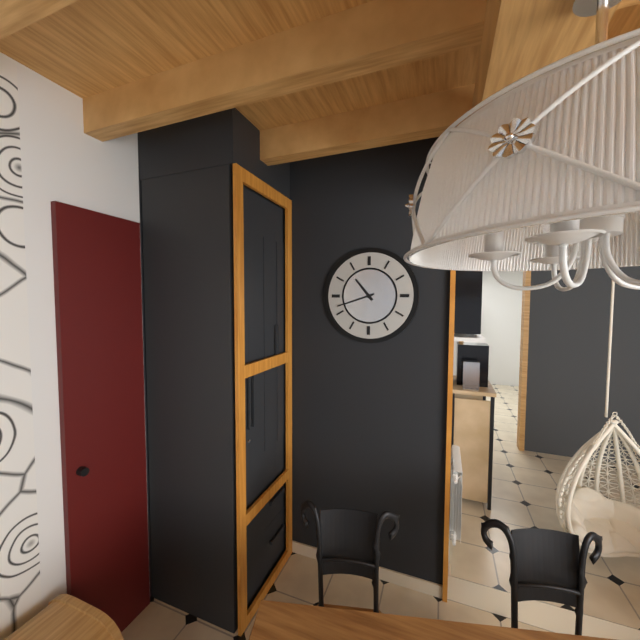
h=10 m=42
